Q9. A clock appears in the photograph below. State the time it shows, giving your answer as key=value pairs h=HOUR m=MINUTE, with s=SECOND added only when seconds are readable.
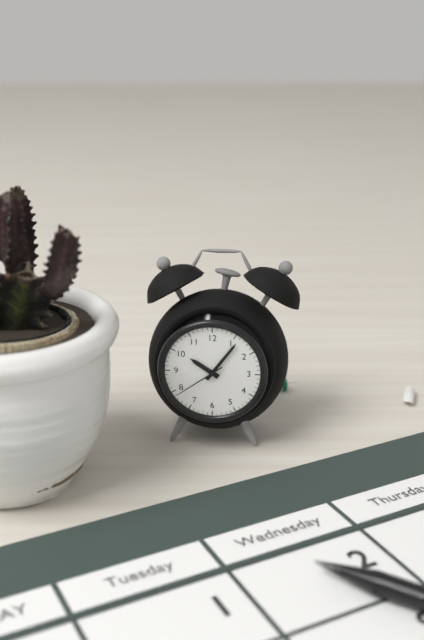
h=10 m=6 s=39
